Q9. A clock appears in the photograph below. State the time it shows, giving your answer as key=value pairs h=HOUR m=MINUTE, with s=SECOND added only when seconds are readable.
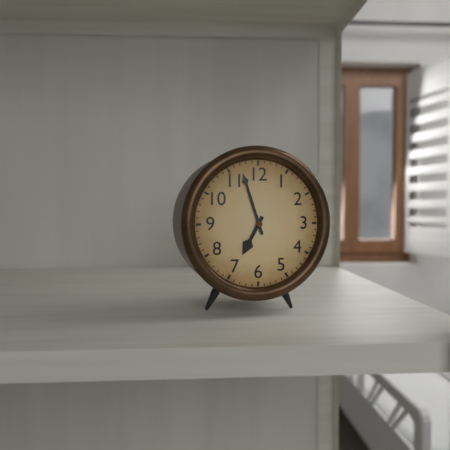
h=6 m=57
